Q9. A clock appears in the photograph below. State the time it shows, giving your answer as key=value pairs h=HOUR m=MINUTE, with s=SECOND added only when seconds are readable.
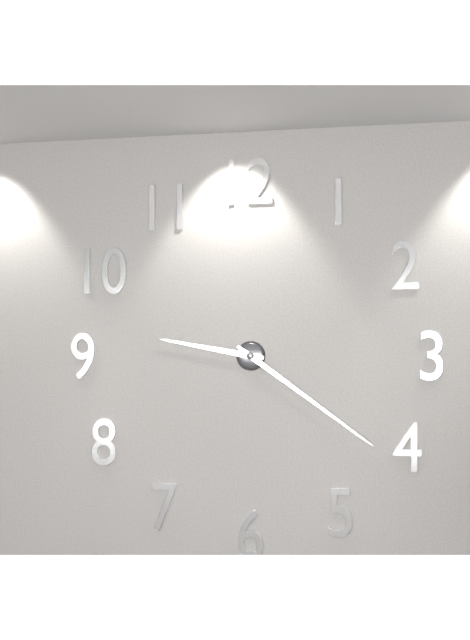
h=9 m=21
